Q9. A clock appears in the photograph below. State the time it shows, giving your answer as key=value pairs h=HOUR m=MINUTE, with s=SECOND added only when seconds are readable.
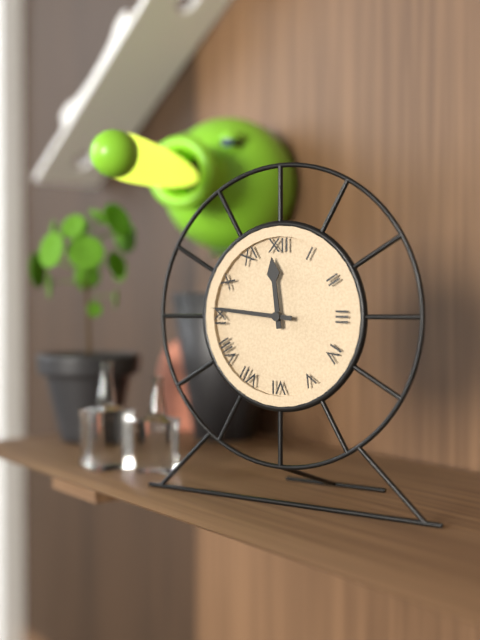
h=11 m=46
